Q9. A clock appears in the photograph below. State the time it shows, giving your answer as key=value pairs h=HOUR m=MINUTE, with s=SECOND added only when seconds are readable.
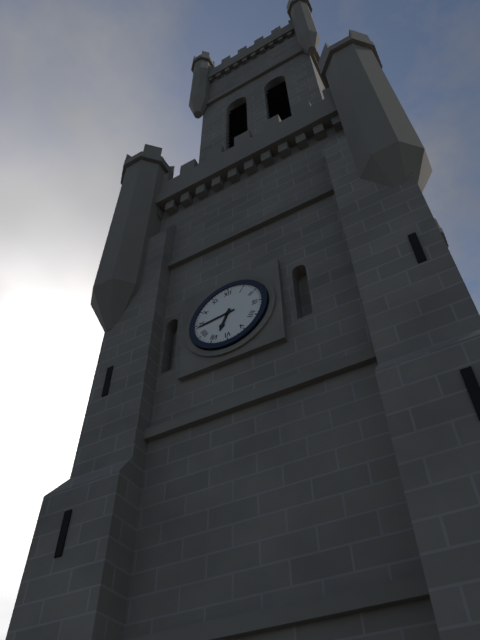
h=6 m=44
